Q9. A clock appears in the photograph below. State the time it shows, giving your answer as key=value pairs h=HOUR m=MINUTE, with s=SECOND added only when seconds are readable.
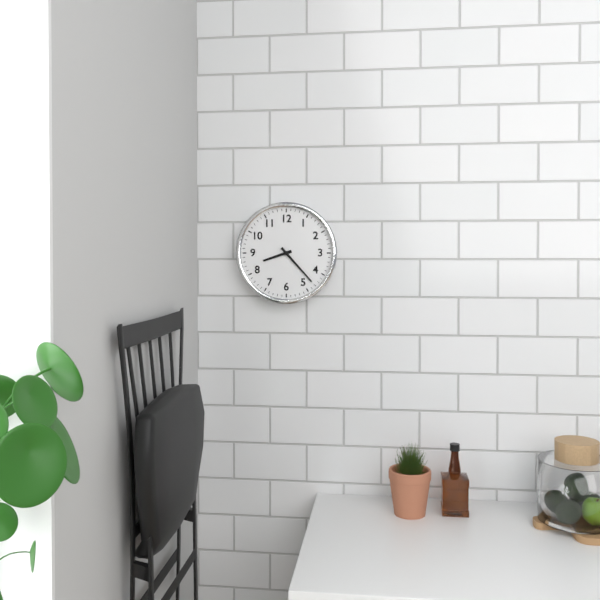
h=8 m=23
